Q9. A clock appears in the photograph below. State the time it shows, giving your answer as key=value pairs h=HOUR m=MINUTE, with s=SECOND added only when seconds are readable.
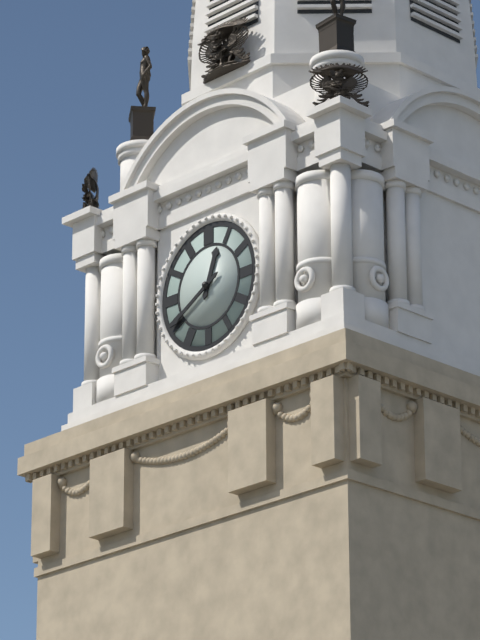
h=12 m=40
